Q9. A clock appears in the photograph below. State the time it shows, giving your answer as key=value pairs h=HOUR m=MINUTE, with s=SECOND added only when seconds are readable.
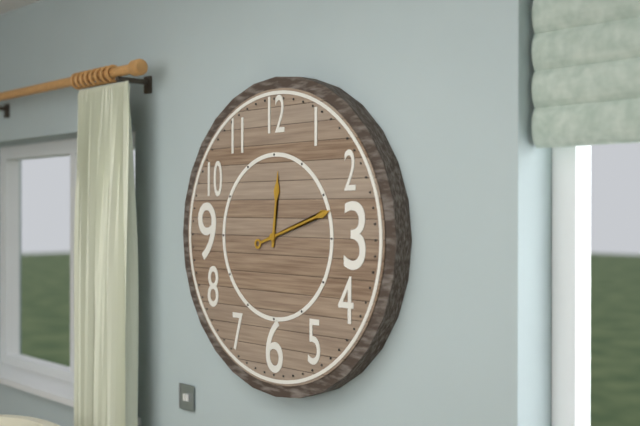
h=12 m=12
